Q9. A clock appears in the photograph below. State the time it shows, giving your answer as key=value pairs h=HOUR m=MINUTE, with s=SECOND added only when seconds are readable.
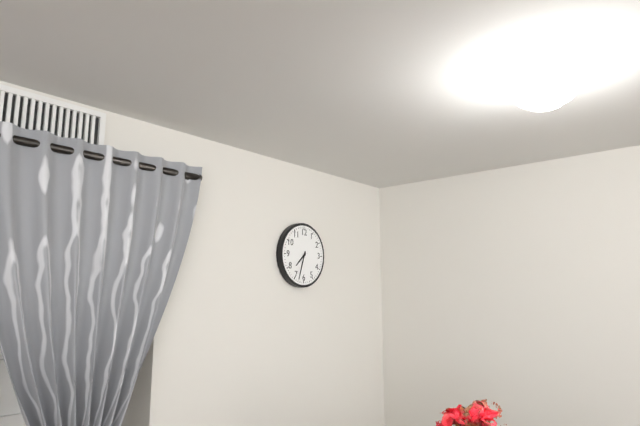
h=7 m=33
